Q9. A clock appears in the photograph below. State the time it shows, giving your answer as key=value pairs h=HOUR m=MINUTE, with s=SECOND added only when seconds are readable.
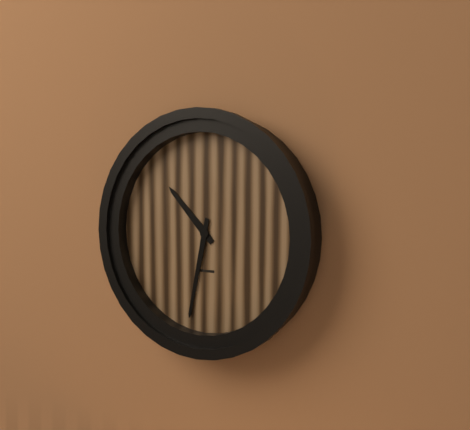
h=10 m=32
